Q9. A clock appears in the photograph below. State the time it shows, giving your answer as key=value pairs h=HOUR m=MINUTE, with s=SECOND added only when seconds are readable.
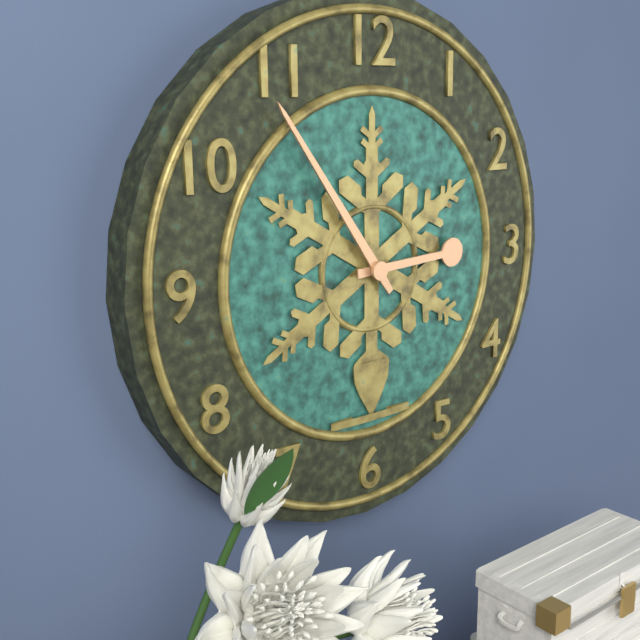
h=2 m=54
